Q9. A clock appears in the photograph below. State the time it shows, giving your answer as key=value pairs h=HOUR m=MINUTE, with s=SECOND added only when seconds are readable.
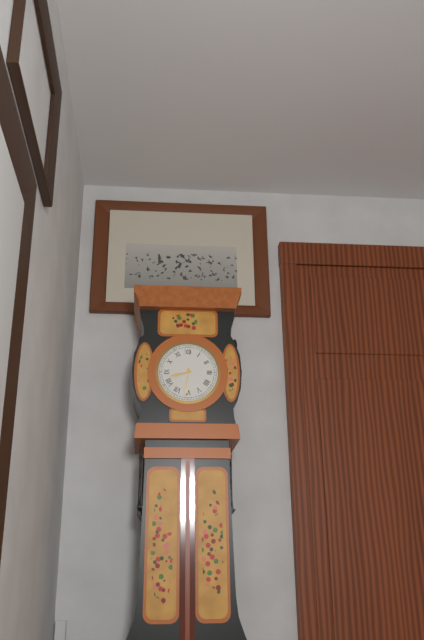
h=8 m=31
